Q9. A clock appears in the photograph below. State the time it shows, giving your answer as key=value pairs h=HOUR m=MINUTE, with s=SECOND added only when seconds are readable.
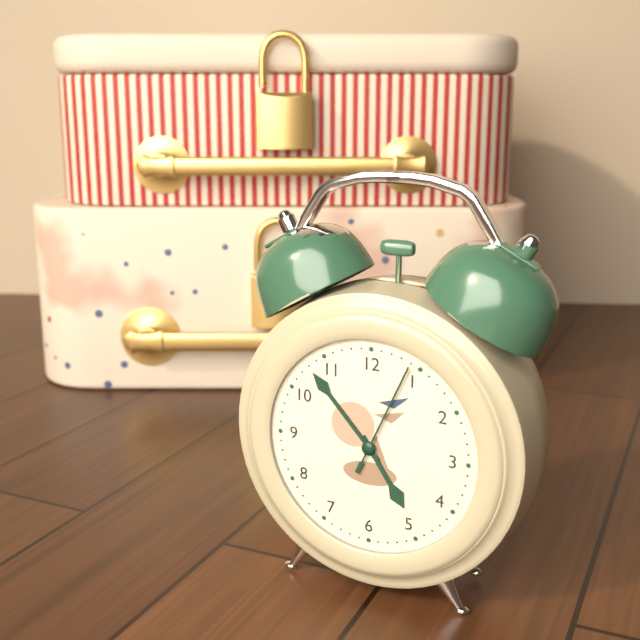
h=4 m=53 s=4
